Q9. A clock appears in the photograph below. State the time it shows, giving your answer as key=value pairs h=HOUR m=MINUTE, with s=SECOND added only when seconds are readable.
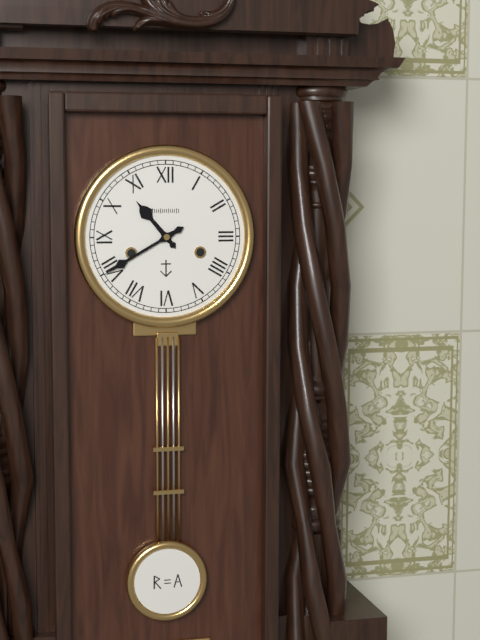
h=10 m=40
